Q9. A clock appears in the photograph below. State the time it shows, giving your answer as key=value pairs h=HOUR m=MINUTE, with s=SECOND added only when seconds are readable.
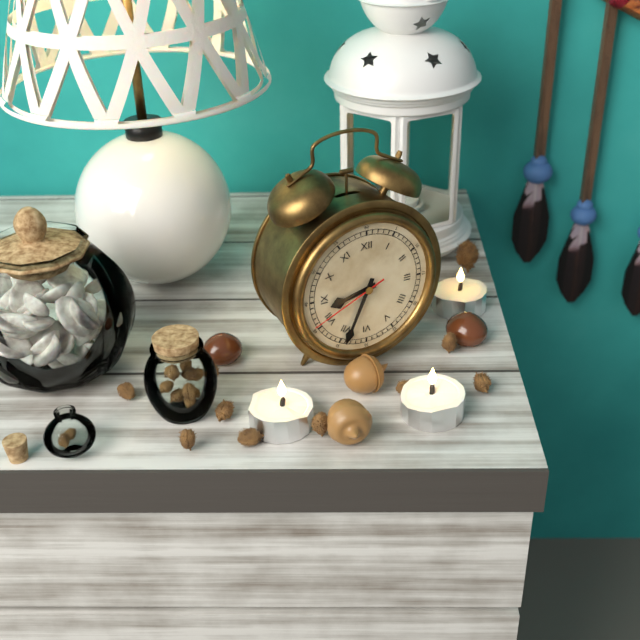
h=8 m=34 s=41
